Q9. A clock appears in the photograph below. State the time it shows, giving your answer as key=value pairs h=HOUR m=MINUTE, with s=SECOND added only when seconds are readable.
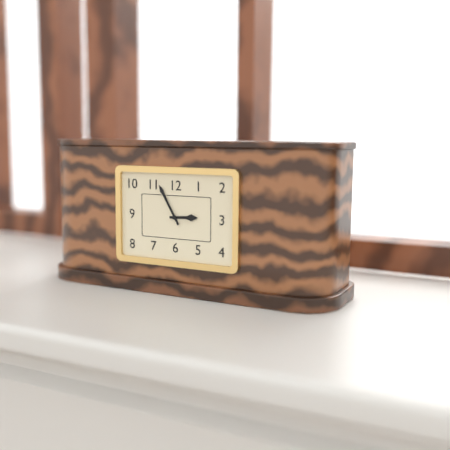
h=2 m=55
